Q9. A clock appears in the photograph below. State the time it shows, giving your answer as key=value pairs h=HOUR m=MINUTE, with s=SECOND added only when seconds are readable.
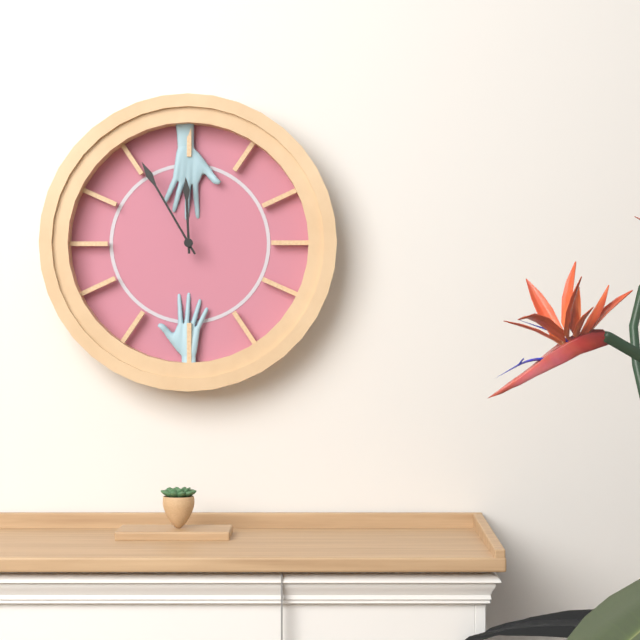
h=11 m=55
